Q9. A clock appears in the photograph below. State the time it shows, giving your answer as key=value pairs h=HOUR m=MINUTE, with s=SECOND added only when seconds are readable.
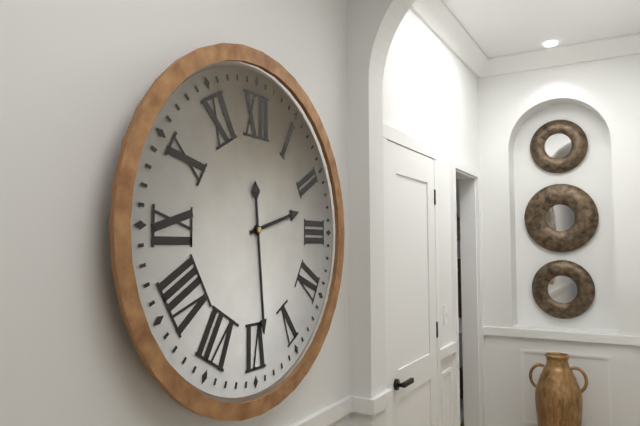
h=2 m=29
